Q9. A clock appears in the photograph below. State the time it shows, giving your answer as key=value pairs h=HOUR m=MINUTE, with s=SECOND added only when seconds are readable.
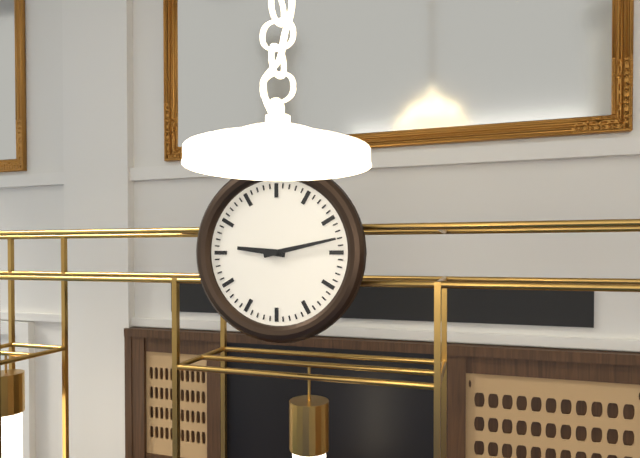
h=9 m=13
